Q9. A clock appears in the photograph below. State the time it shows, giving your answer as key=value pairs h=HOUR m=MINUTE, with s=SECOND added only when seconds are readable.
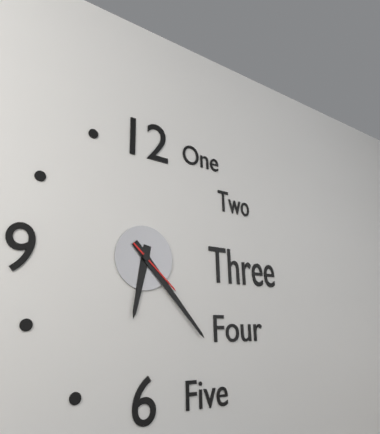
h=6 m=23 s=22
